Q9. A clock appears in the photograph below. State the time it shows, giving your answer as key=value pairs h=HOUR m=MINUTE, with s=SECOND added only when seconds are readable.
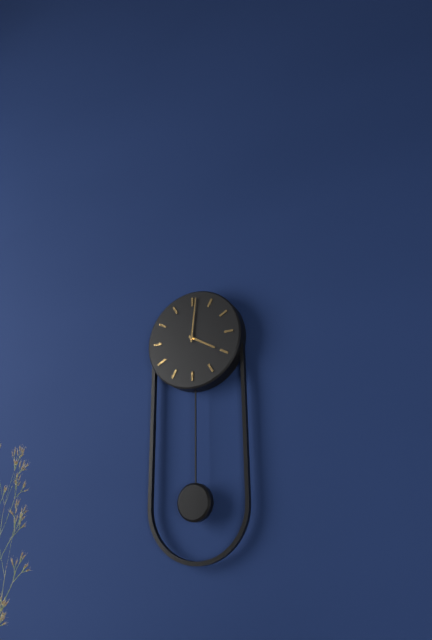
h=4 m=1
